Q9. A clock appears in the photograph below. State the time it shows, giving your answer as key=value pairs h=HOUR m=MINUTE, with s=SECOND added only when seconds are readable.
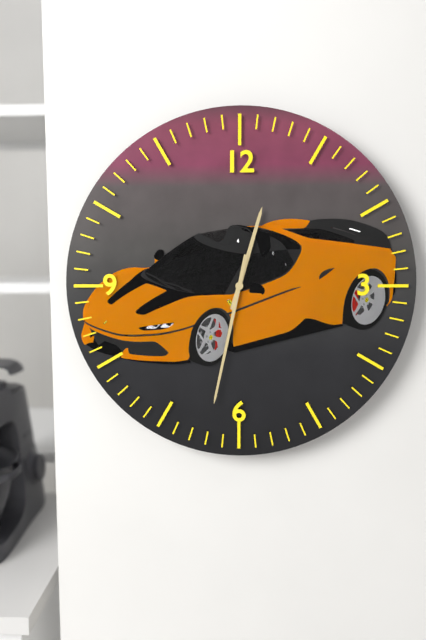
h=12 m=32
